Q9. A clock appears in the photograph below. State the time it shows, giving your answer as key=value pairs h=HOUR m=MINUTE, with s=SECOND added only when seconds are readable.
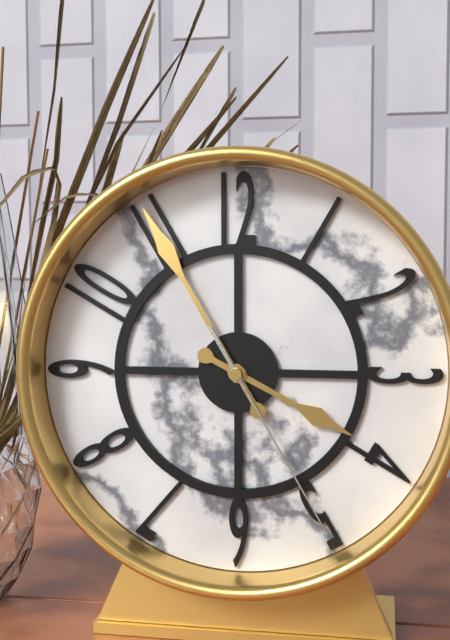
h=3 m=55 s=25
